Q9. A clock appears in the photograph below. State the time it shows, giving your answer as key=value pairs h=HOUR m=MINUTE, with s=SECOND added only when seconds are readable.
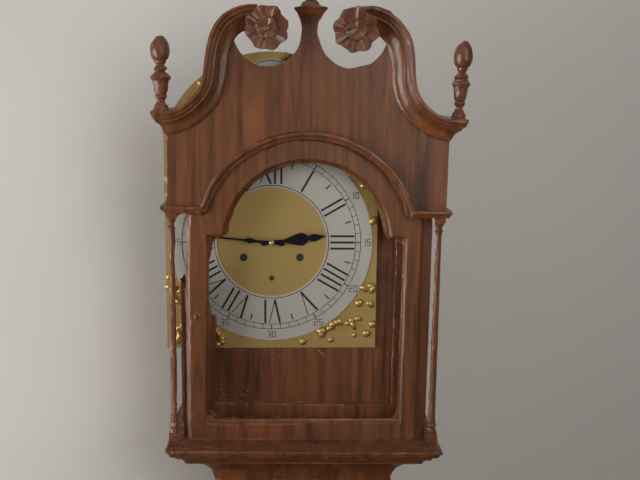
h=2 m=46
